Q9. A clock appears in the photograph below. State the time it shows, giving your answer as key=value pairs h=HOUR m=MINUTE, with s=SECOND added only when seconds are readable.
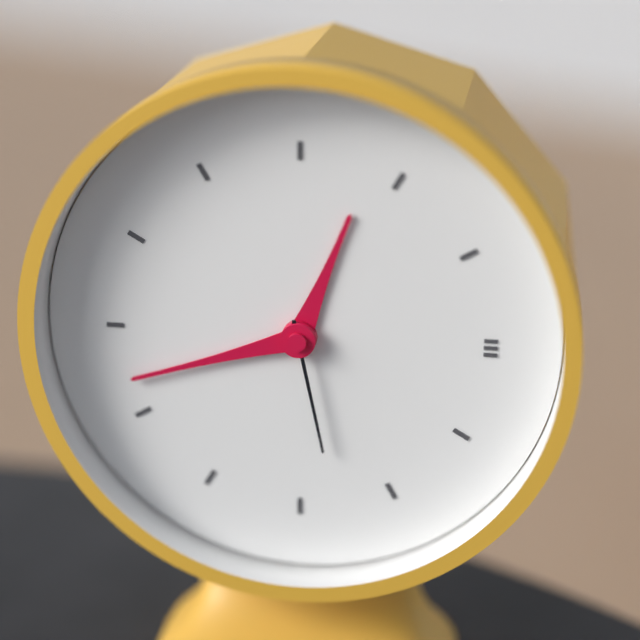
h=12 m=42 s=28
